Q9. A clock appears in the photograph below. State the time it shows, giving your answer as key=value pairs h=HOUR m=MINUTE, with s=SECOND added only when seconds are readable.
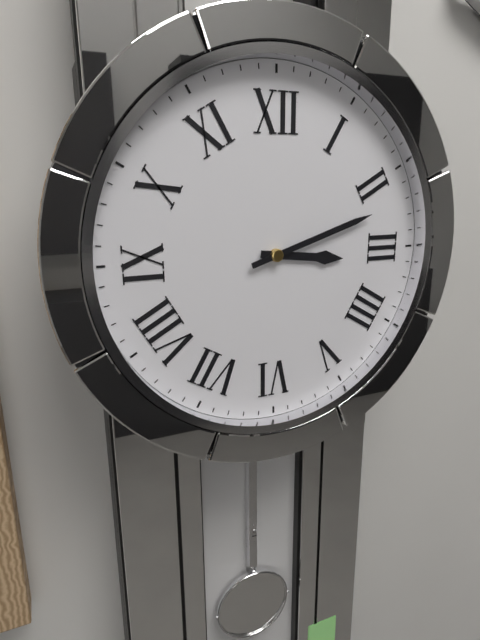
h=3 m=12
